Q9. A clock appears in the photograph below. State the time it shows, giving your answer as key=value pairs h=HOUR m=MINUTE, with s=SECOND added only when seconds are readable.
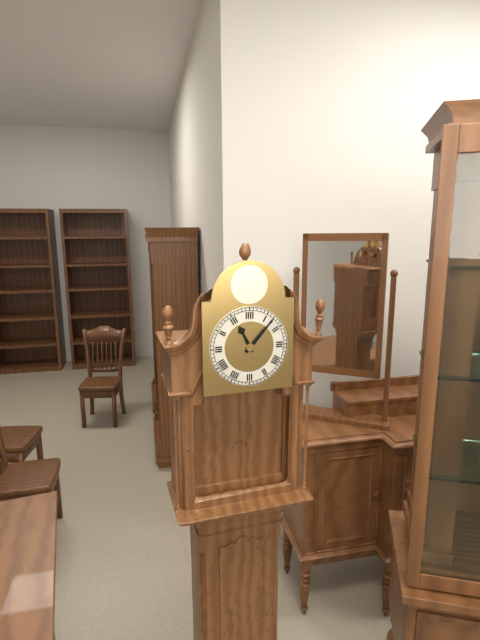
h=11 m=7
